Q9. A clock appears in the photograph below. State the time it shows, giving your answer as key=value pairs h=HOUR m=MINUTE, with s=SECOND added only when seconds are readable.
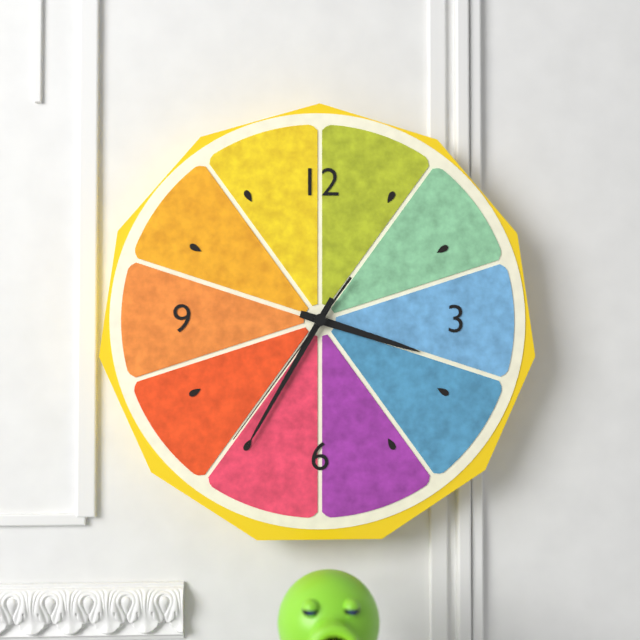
h=3 m=35 s=36
